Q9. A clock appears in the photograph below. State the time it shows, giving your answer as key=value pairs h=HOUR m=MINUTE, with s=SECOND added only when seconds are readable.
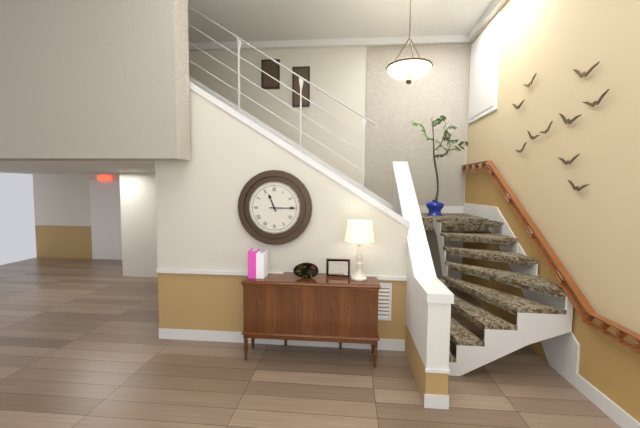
h=11 m=15
